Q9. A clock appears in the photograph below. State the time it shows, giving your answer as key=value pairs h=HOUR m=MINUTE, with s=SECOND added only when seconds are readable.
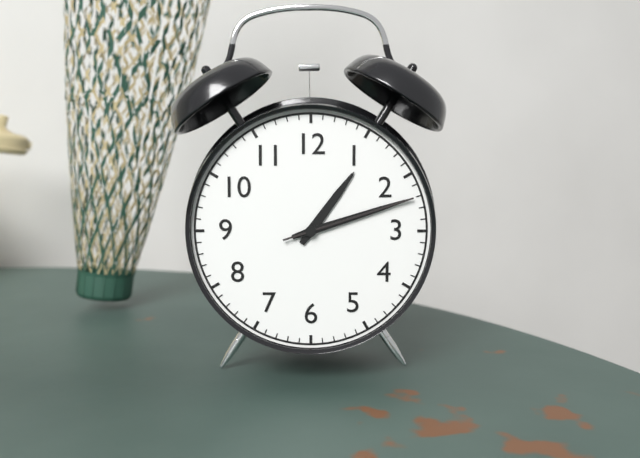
h=1 m=12 s=12
